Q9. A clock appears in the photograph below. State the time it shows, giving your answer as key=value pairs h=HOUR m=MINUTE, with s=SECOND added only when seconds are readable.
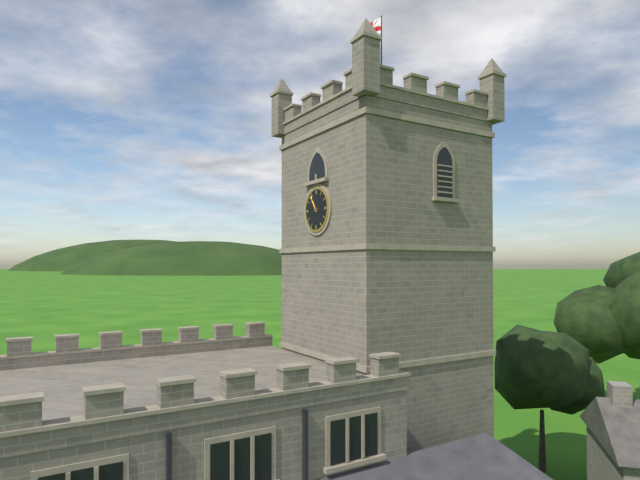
h=10 m=54
